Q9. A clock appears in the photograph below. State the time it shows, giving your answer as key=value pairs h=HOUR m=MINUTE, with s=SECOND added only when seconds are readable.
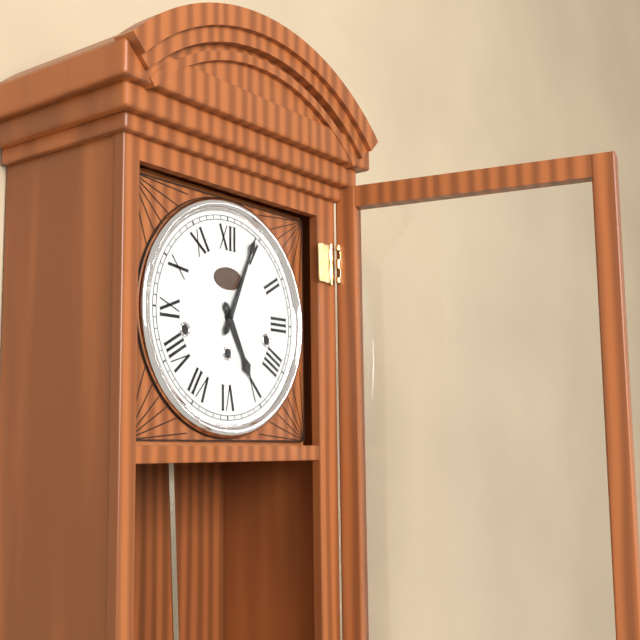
h=5 m=4
